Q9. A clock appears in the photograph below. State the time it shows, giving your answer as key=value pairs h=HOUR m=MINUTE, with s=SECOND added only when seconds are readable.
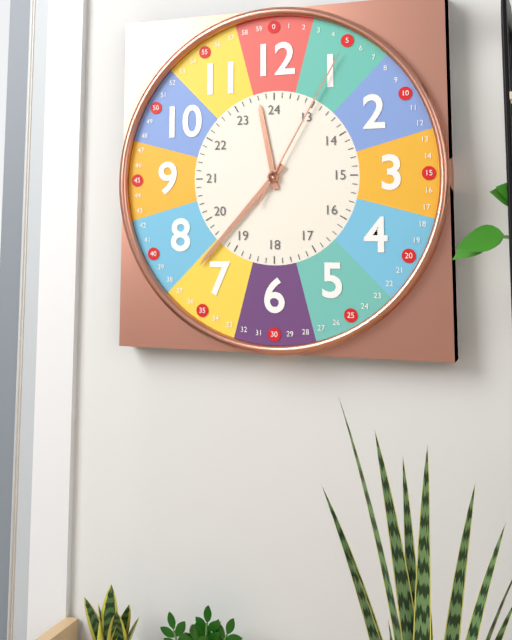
h=11 m=37 s=5
